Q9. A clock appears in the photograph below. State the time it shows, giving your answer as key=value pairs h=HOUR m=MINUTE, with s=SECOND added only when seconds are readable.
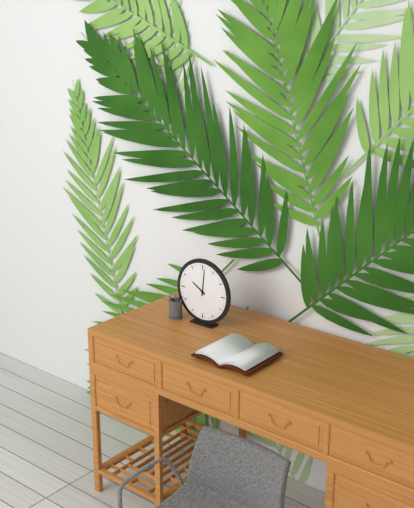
h=10 m=1
